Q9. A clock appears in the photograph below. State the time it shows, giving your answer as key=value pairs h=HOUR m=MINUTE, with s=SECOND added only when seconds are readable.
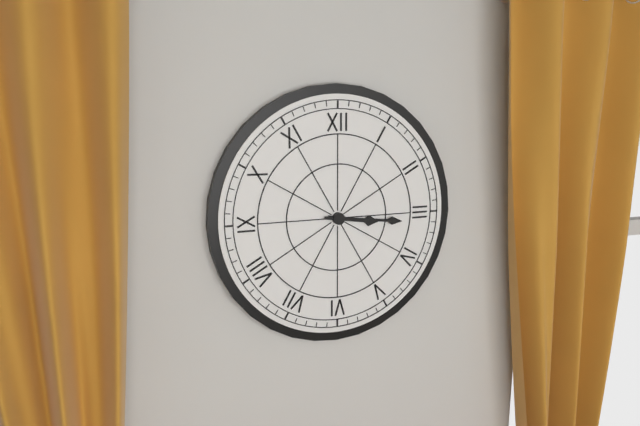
h=3 m=16
